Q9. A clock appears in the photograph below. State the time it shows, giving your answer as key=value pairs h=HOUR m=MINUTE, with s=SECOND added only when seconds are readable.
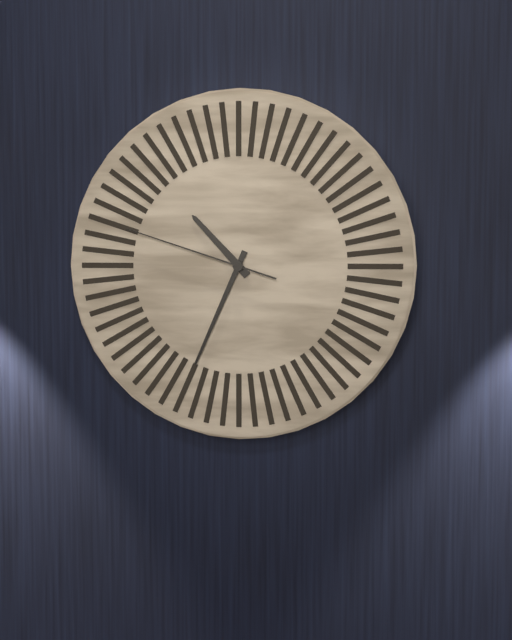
h=10 m=34 s=48
